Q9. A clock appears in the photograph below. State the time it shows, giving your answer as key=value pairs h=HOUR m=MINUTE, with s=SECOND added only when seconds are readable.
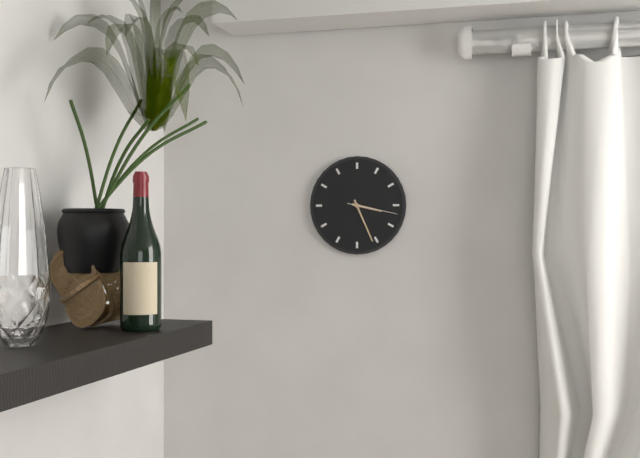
h=3 m=26 s=17
